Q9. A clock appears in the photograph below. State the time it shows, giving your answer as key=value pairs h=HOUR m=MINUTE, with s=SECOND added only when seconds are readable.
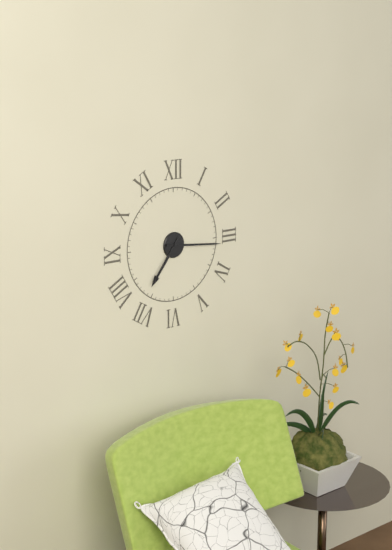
h=7 m=16
